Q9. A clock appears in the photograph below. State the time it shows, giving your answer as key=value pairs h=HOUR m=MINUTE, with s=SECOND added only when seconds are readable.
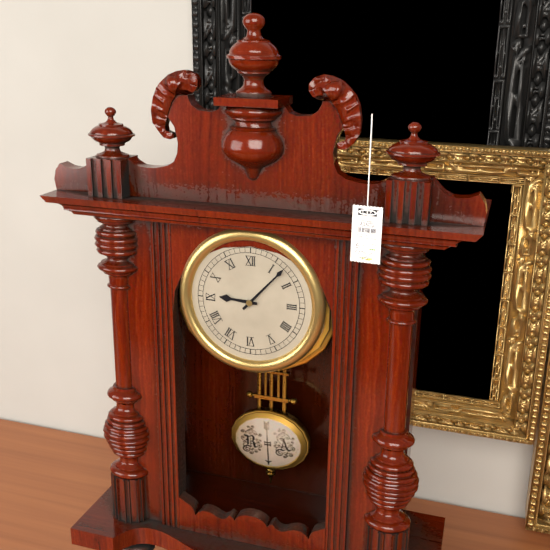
h=9 m=7
